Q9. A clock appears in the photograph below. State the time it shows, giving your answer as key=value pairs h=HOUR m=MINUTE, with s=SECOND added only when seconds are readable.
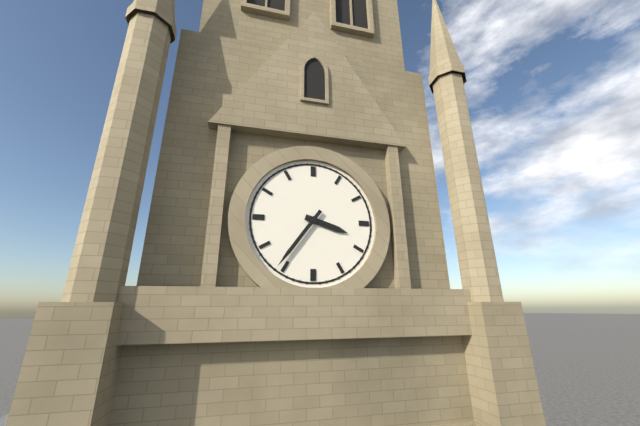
h=3 m=36
